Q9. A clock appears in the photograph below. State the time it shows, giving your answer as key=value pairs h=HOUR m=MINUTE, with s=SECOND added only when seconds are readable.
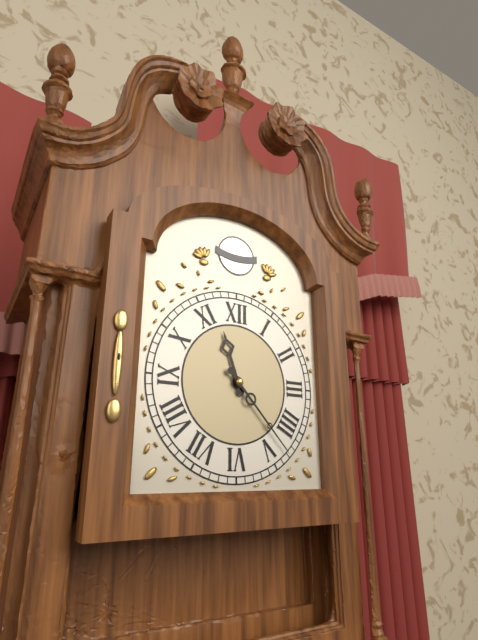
h=11 m=23
